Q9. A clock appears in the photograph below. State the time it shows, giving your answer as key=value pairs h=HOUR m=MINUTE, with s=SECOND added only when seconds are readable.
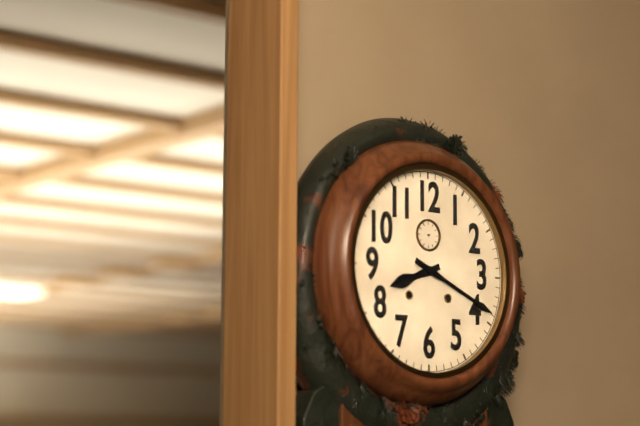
h=8 m=19
